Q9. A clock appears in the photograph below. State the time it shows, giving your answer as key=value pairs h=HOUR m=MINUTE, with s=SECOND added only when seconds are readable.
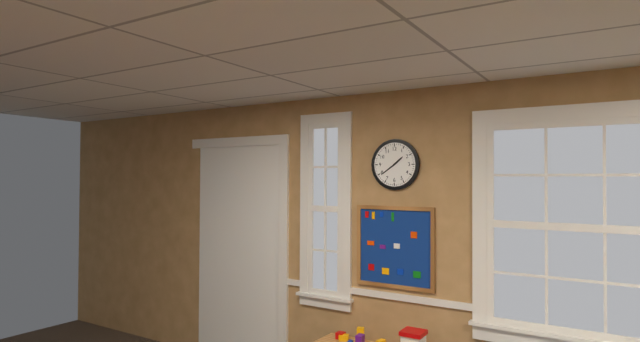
h=1 m=39
